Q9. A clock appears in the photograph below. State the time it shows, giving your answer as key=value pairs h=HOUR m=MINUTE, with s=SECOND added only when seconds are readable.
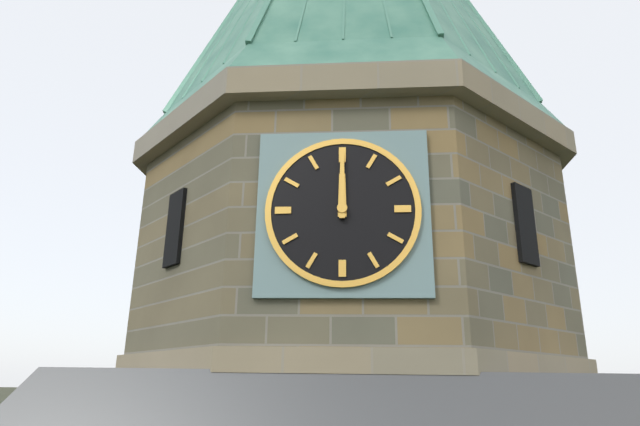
h=12 m=0
